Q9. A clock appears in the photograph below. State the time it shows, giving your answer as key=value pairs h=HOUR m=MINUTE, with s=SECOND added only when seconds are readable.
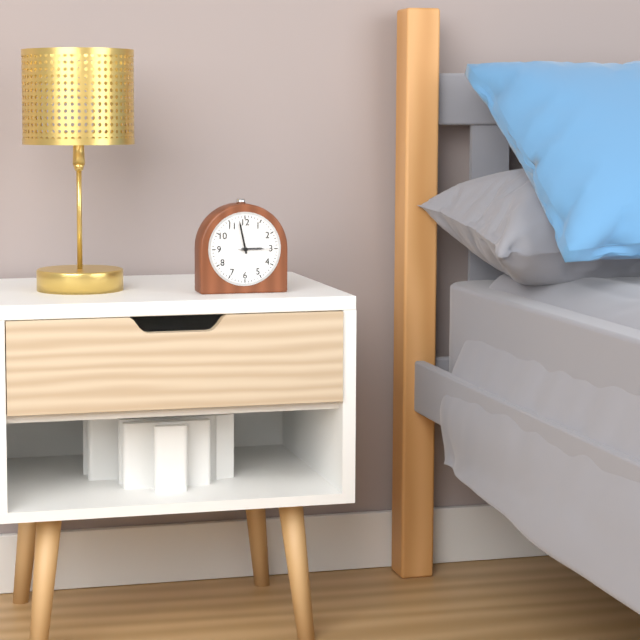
h=2 m=58
